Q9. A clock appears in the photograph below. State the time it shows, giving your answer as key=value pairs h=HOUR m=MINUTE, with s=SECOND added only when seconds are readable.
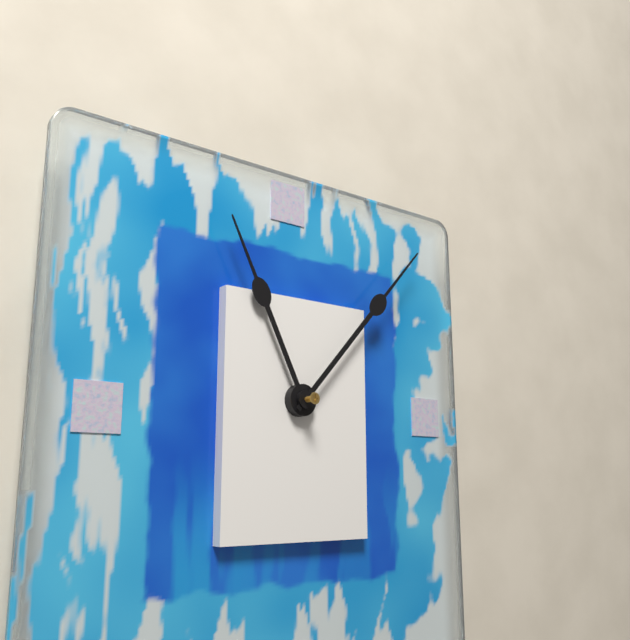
h=11 m=7
